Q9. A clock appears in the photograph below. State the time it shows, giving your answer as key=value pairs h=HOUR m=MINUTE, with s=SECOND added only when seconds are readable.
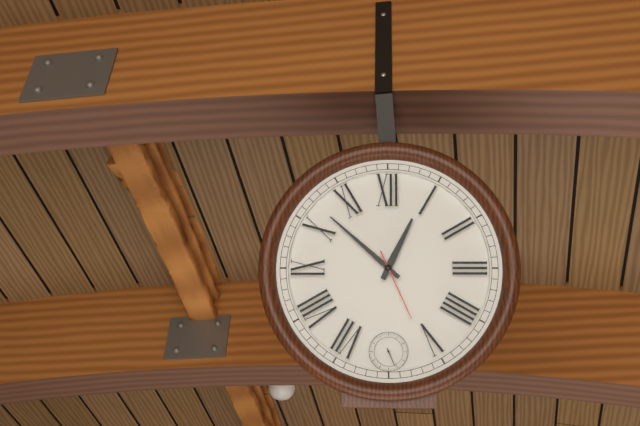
h=12 m=52 s=26
